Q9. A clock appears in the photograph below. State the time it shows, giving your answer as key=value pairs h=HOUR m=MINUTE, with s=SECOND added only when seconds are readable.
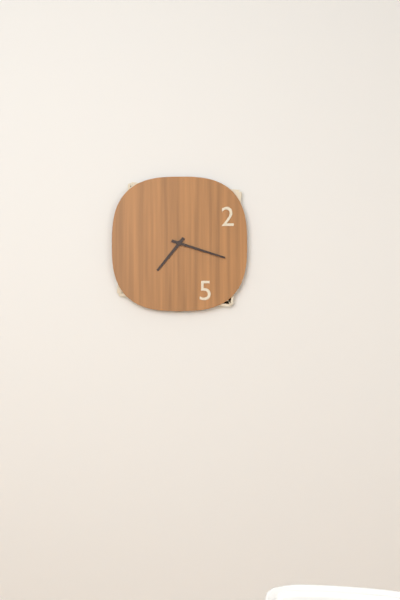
h=7 m=18
